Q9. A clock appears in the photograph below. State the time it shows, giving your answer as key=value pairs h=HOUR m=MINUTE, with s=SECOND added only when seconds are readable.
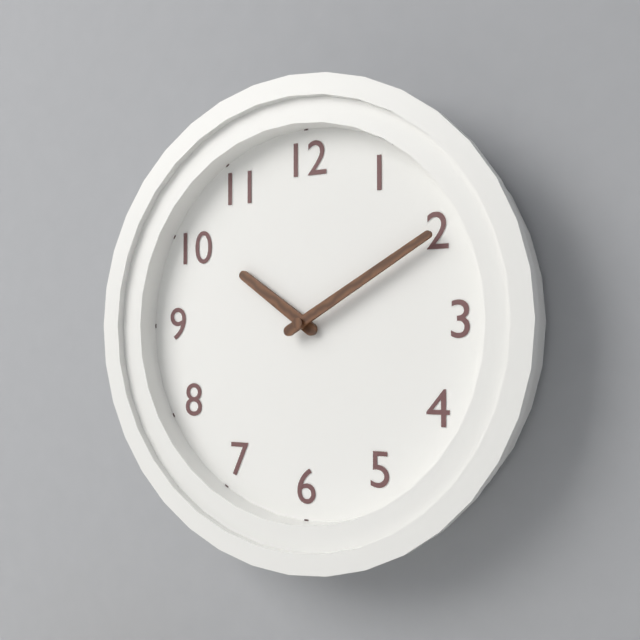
h=10 m=10
